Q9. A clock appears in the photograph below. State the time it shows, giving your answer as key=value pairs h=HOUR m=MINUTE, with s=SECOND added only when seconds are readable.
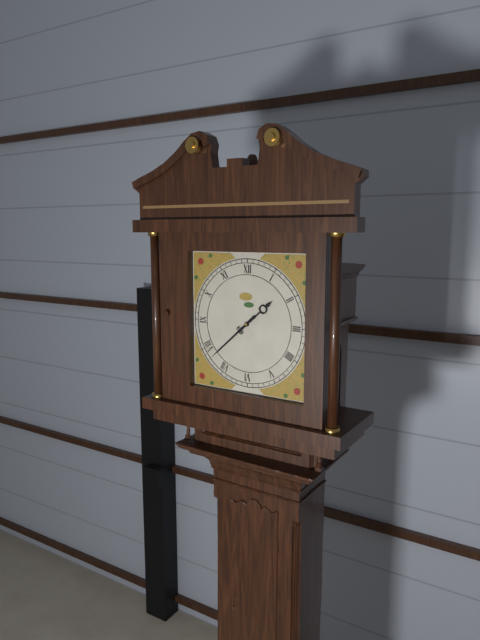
h=1 m=38
